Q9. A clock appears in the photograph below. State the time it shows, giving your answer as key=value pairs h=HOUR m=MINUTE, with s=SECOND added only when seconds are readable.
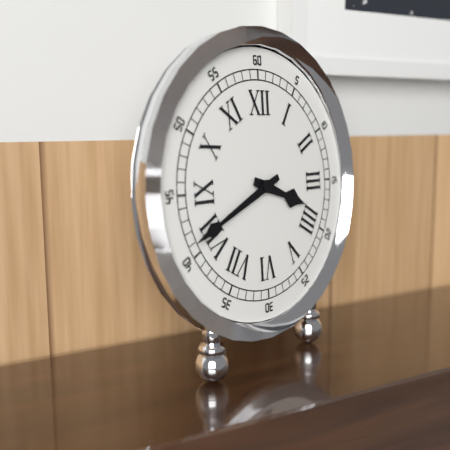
h=3 m=41
